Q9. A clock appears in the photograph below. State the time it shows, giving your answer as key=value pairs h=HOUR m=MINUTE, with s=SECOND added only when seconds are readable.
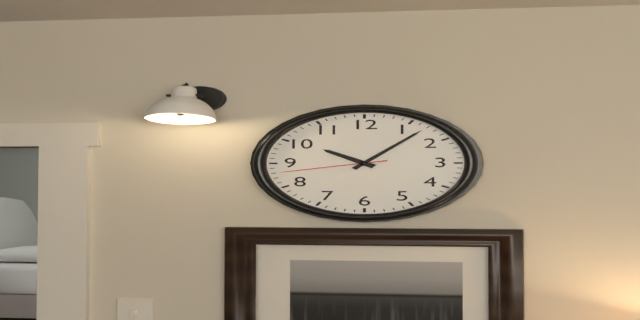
h=10 m=7 s=43
